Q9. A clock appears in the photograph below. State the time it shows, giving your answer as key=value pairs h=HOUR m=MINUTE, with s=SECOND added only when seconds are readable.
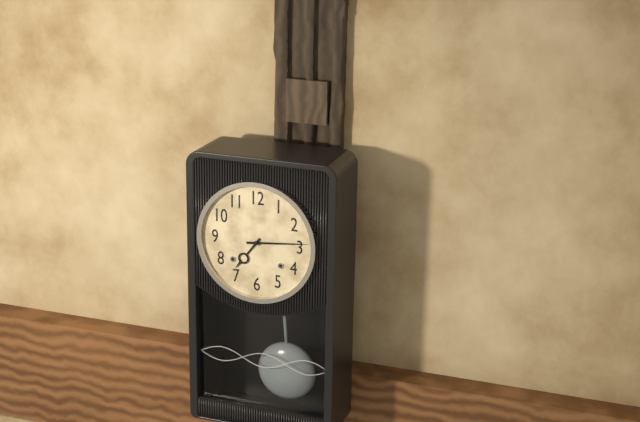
h=7 m=14
